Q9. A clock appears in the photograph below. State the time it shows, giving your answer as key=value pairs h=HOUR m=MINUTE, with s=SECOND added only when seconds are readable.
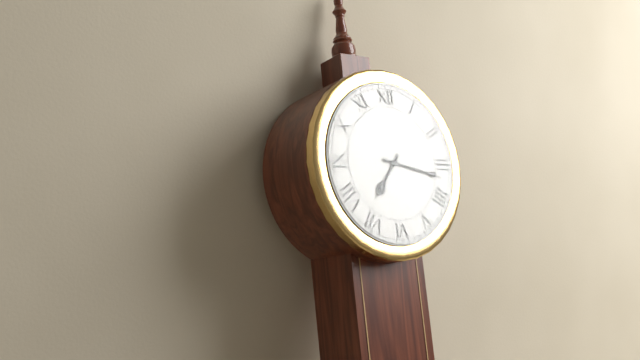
h=7 m=17
